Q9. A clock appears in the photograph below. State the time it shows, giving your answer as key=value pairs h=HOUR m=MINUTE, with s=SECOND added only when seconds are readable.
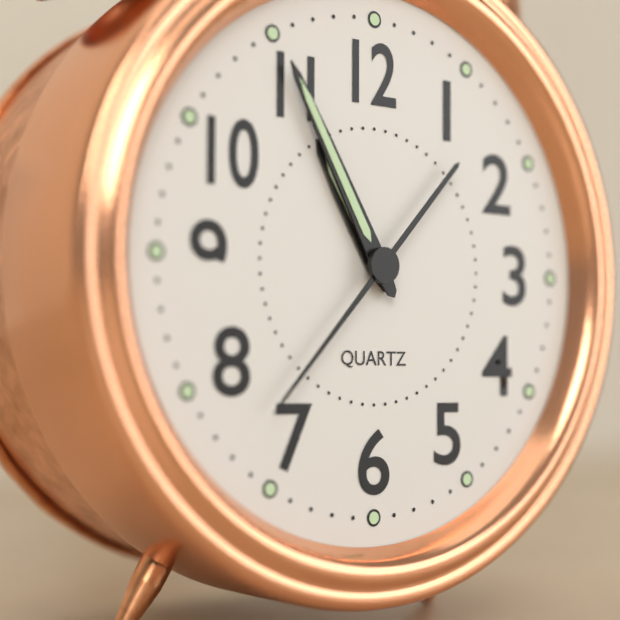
h=10 m=55 s=37
